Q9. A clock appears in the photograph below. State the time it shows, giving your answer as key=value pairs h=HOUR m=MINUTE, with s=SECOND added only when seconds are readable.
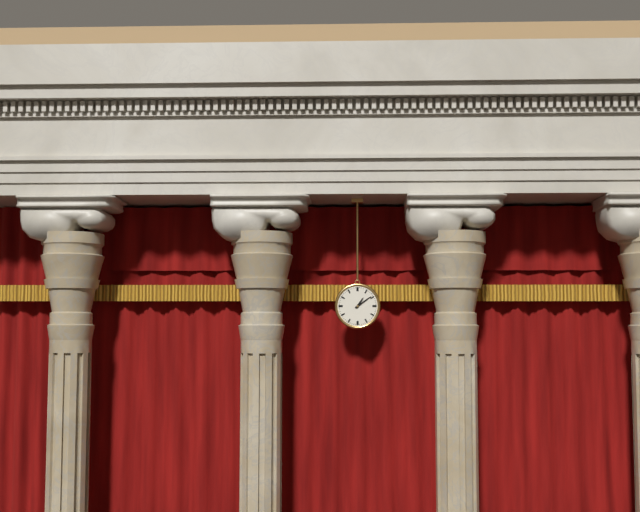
h=1 m=9
